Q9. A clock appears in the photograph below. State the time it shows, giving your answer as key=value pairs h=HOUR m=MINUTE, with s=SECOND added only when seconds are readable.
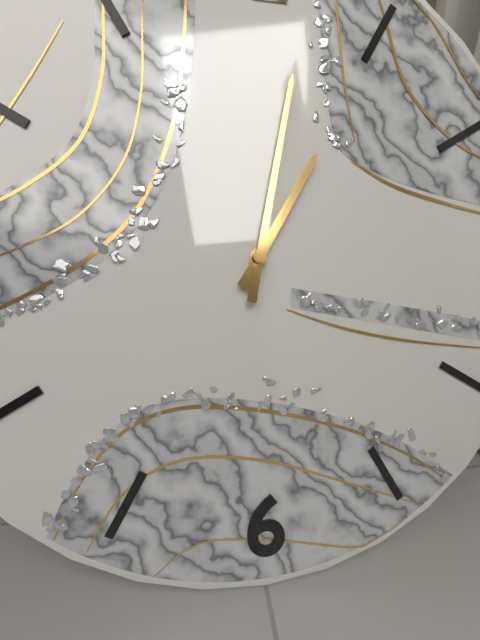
h=1 m=2
